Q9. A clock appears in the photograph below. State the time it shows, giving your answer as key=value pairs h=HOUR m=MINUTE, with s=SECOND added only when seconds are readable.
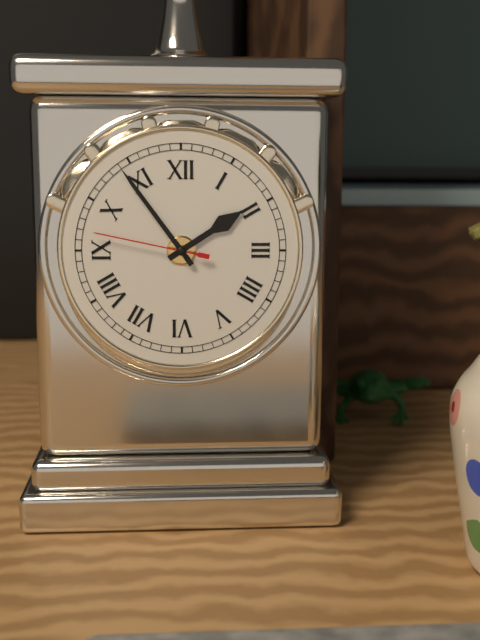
h=1 m=54 s=47
